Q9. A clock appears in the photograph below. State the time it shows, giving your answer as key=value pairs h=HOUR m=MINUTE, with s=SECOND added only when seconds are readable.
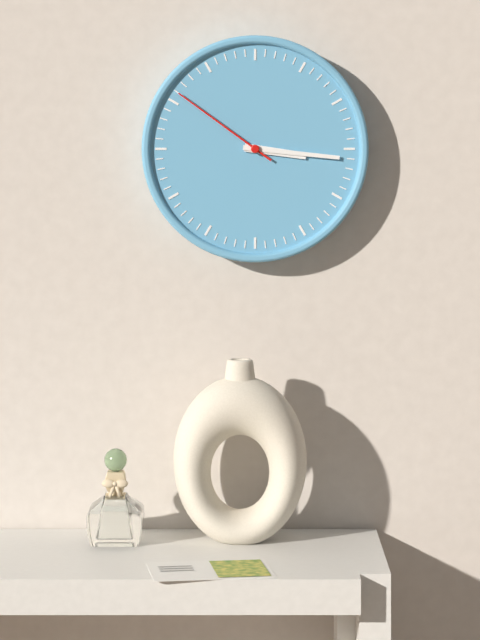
h=3 m=16 s=51
